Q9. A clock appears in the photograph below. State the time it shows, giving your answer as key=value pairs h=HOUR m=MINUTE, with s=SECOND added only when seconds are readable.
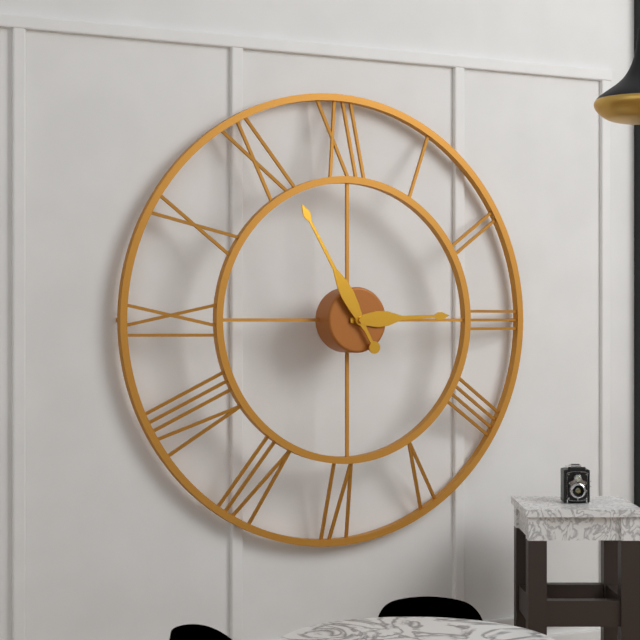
h=2 m=55
